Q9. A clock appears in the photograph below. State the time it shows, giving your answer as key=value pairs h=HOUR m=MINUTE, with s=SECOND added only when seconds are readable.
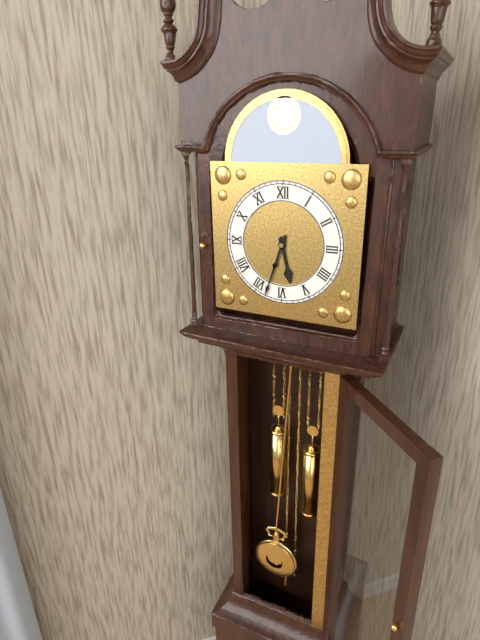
h=5 m=33
